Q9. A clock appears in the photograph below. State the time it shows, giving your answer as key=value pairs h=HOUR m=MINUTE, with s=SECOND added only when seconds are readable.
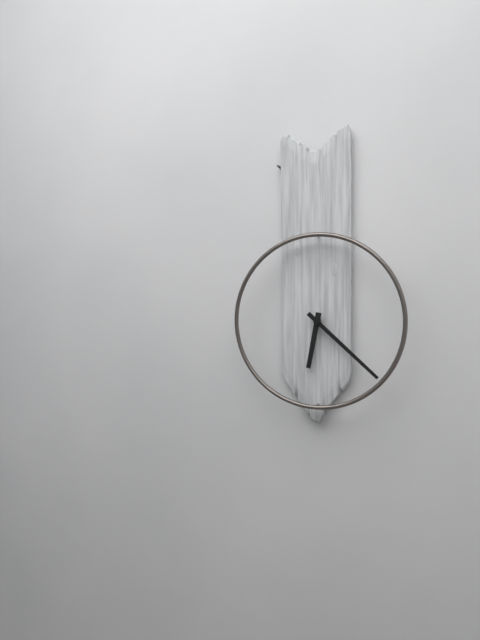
h=6 m=22
